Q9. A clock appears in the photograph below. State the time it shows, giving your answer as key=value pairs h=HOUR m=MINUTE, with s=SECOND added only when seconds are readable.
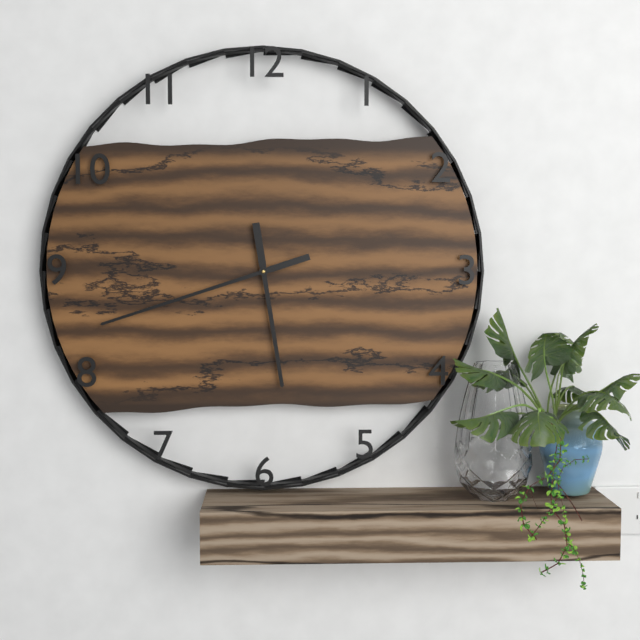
h=5 m=42
